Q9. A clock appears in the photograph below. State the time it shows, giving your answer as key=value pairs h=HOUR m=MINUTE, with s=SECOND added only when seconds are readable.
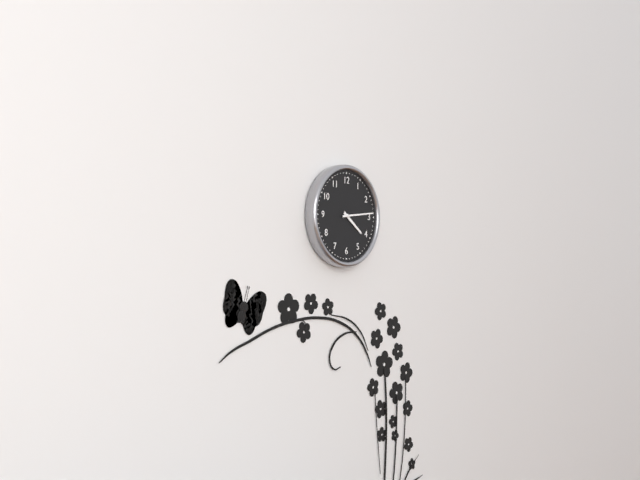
h=4 m=14
